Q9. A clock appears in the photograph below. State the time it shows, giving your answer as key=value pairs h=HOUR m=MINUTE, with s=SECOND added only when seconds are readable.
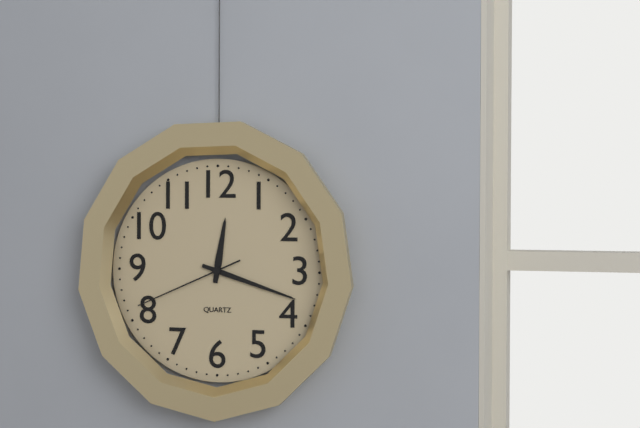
h=12 m=18 s=41
